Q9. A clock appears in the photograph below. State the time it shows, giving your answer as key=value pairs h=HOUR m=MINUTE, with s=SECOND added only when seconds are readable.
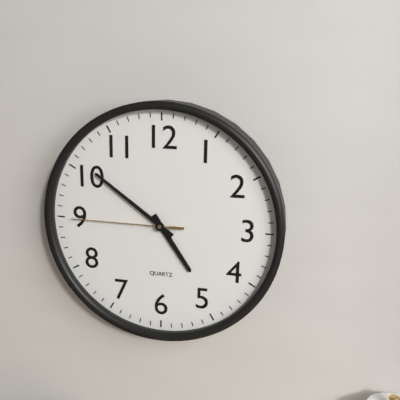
h=4 m=51 s=45
